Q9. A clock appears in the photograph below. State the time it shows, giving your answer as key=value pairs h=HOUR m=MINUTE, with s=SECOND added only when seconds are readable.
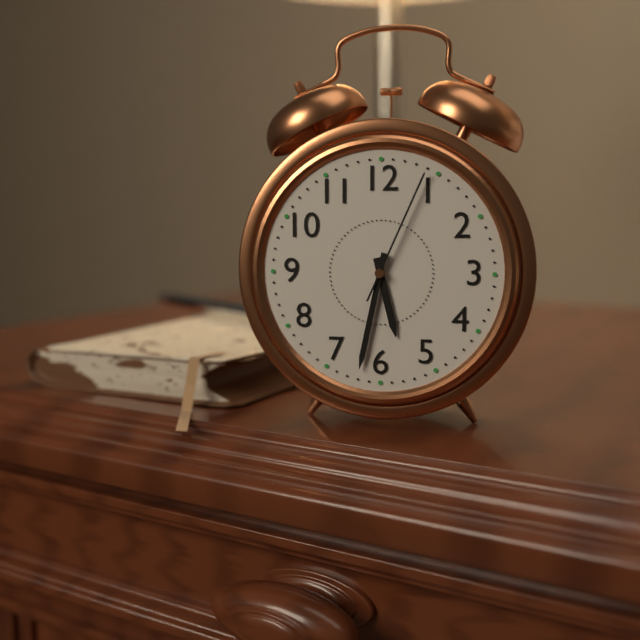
h=5 m=32 s=4
